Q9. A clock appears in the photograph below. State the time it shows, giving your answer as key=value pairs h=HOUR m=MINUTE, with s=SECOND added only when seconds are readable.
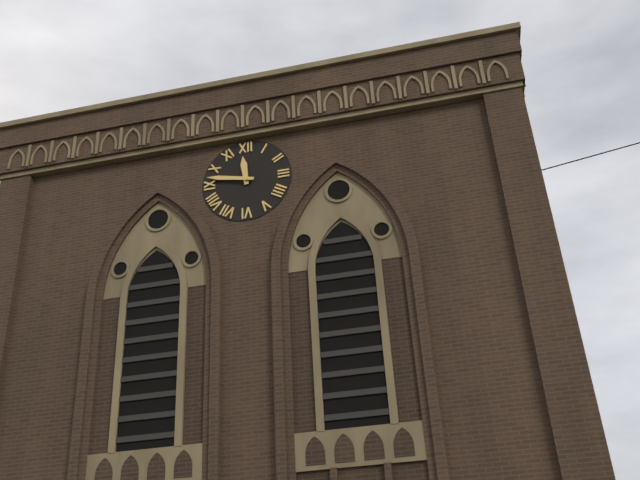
h=11 m=47
